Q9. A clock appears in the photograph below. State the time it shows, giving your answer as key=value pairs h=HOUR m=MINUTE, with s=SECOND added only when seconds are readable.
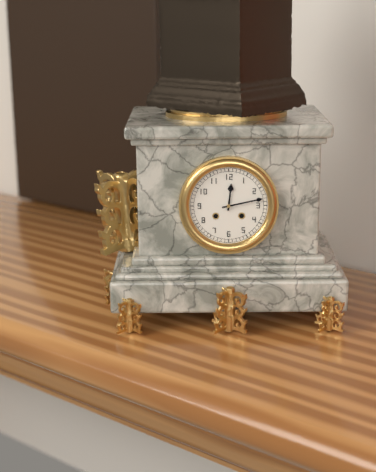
h=12 m=13
